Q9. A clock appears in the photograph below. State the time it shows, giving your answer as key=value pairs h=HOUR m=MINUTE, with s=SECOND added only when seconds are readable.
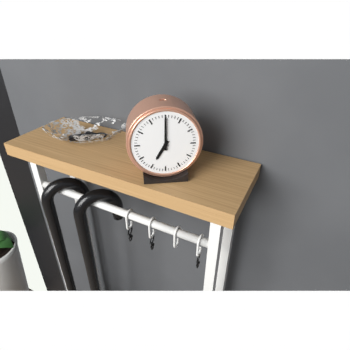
h=7 m=0
